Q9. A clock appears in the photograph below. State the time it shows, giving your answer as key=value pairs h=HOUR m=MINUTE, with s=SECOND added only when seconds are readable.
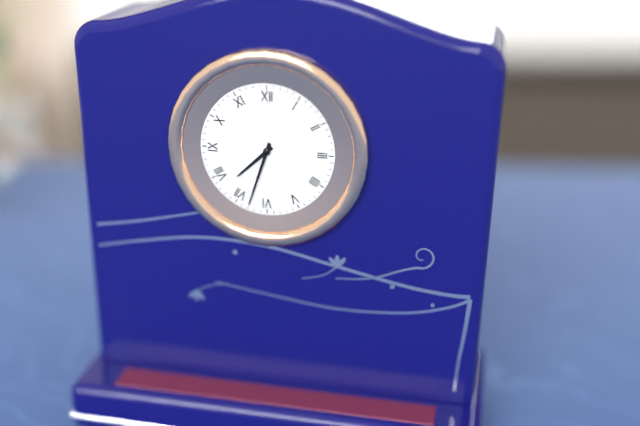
h=7 m=33
